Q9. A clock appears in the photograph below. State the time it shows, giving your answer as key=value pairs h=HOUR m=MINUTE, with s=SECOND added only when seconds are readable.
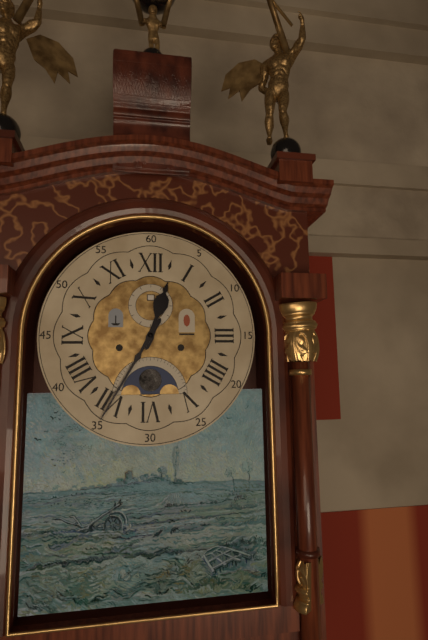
h=12 m=35
